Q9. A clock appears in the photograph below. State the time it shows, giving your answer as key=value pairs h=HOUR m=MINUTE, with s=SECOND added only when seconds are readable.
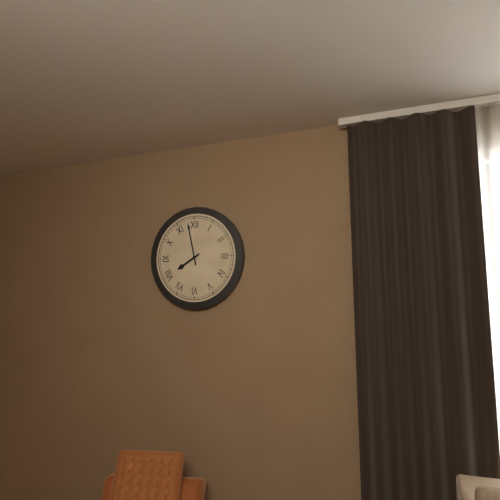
h=7 m=58
